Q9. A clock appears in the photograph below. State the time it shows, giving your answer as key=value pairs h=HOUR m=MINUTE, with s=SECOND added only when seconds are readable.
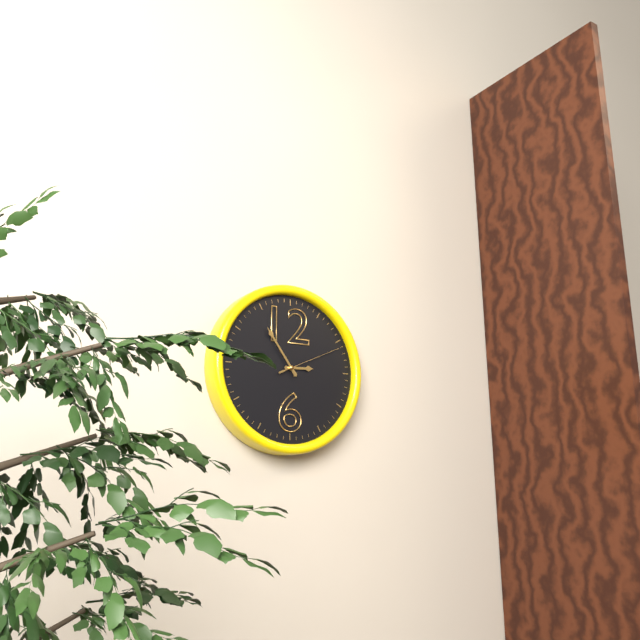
h=2 m=54 s=11
